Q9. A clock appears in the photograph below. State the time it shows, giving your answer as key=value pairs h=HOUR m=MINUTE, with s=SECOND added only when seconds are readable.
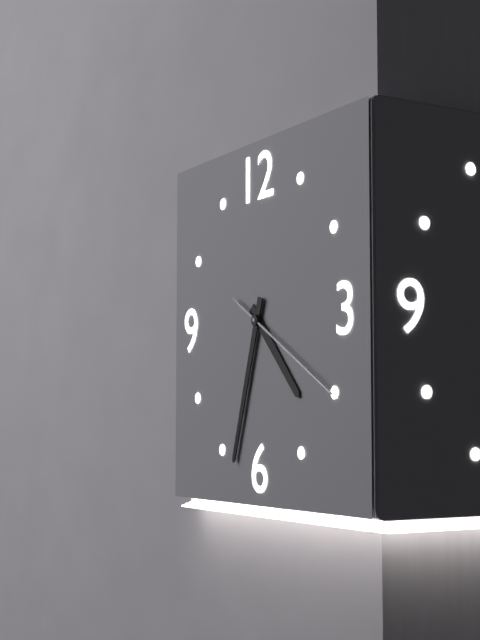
h=4 m=33 s=20
